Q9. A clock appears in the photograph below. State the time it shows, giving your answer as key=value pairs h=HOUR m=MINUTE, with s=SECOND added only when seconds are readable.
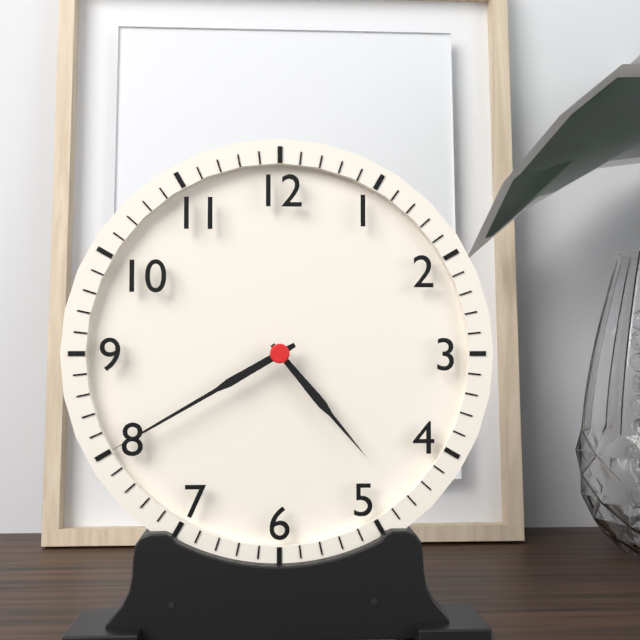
h=4 m=40
